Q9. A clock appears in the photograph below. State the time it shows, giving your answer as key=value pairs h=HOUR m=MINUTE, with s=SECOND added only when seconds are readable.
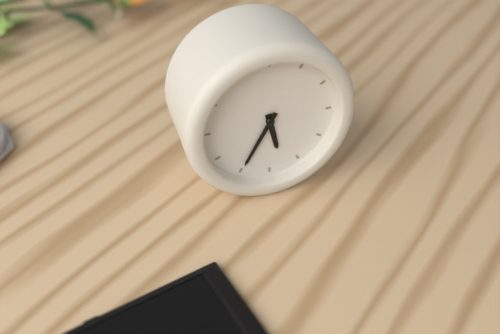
h=5 m=35
